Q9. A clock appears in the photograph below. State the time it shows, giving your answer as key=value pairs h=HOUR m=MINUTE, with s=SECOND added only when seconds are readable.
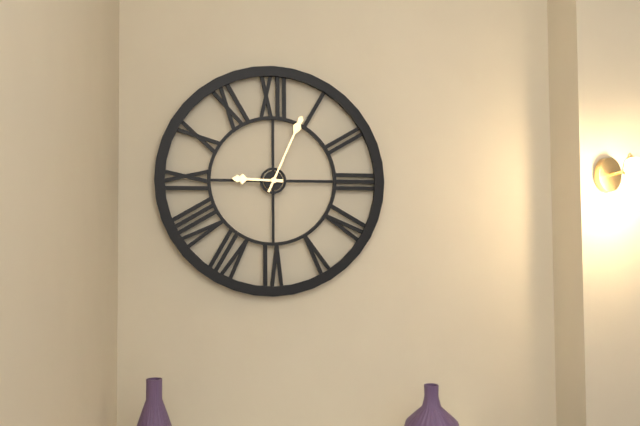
h=9 m=4
